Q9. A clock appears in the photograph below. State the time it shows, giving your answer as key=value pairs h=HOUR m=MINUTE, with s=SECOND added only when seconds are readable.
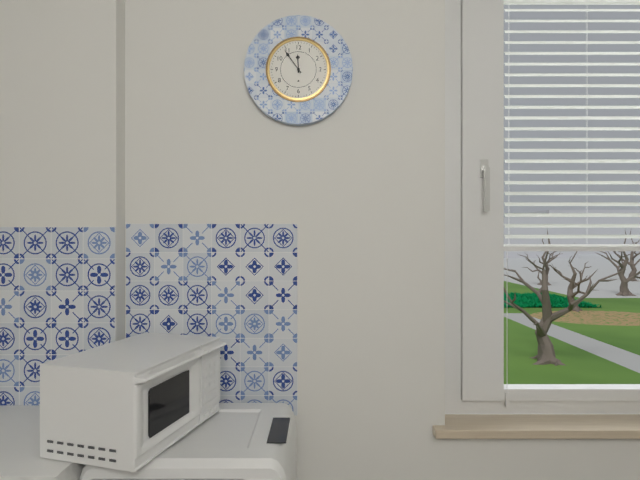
h=11 m=54
